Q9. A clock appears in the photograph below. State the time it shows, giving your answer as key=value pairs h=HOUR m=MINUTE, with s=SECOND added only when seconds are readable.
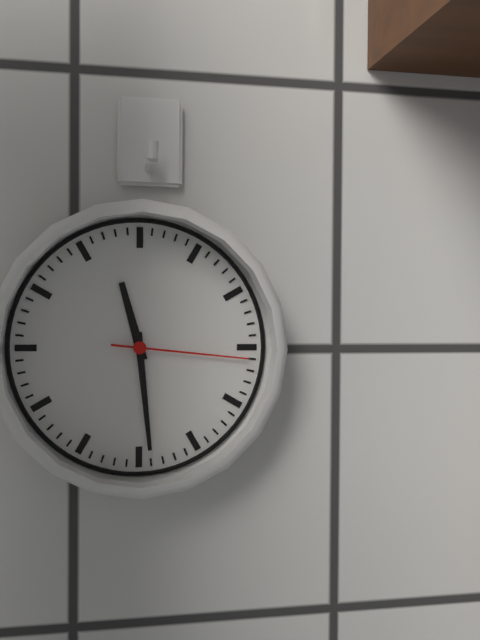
h=11 m=29 s=16
